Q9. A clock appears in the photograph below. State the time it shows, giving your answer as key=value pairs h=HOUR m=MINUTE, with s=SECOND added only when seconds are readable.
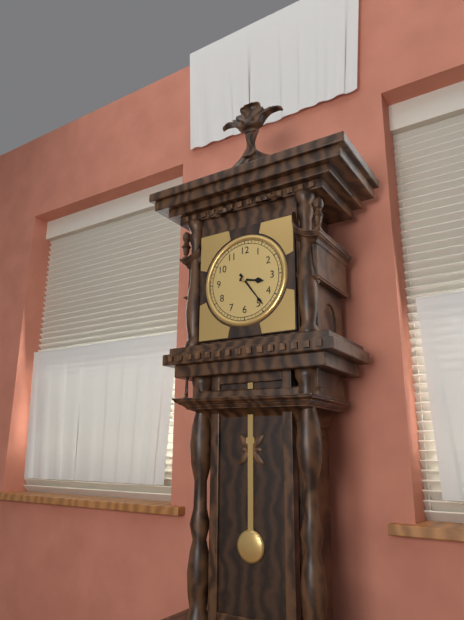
h=3 m=24
